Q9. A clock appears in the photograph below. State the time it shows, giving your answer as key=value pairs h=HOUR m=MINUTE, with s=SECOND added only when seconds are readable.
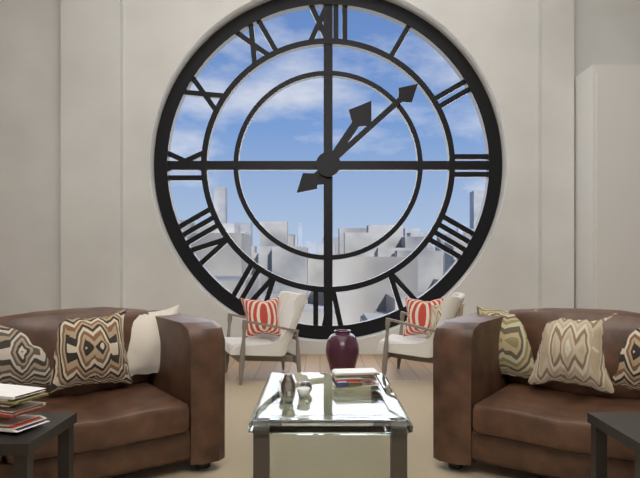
h=1 m=8
